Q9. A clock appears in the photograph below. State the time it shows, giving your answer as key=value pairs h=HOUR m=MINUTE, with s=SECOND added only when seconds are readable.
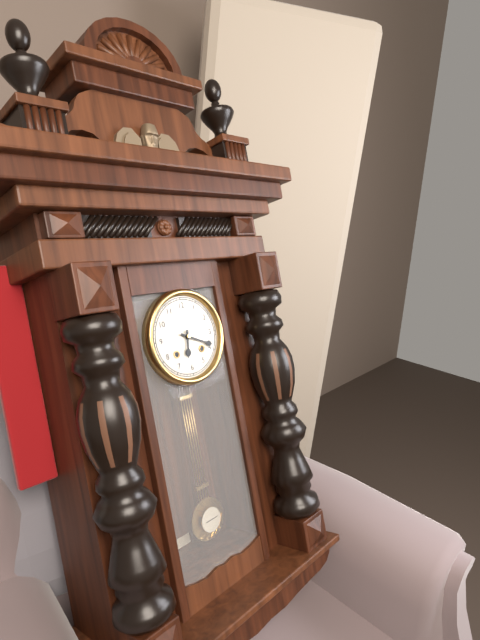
h=6 m=19
